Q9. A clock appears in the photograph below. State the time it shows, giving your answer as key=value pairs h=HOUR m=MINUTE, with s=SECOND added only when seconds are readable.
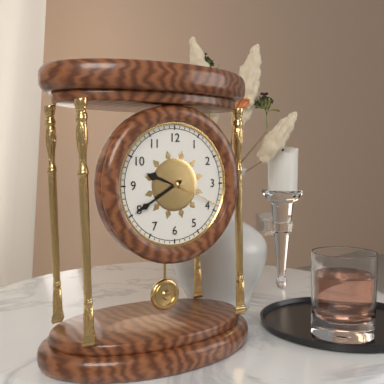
h=9 m=40 s=19
